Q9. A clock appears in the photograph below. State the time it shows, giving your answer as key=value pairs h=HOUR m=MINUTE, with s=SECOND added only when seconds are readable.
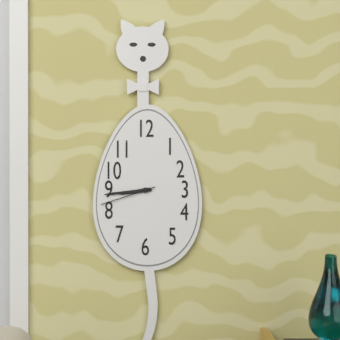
h=8 m=44 s=42
